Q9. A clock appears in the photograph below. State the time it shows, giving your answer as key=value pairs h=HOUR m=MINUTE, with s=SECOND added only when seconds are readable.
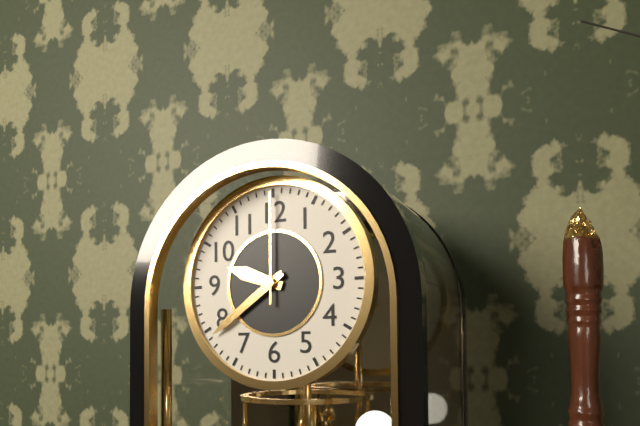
h=9 m=39 s=0
